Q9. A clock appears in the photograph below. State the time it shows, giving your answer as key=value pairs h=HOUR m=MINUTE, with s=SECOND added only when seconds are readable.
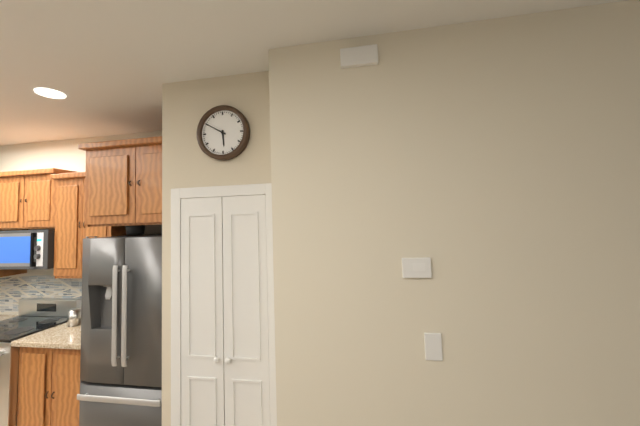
h=5 m=50
